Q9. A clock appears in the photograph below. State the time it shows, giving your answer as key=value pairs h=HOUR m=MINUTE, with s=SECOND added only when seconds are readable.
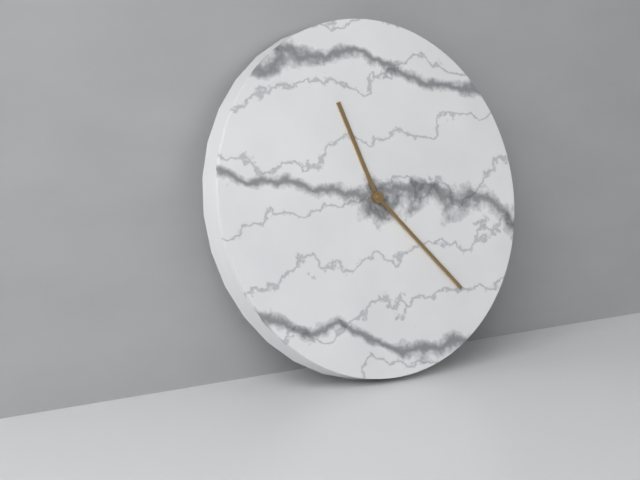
h=11 m=23
